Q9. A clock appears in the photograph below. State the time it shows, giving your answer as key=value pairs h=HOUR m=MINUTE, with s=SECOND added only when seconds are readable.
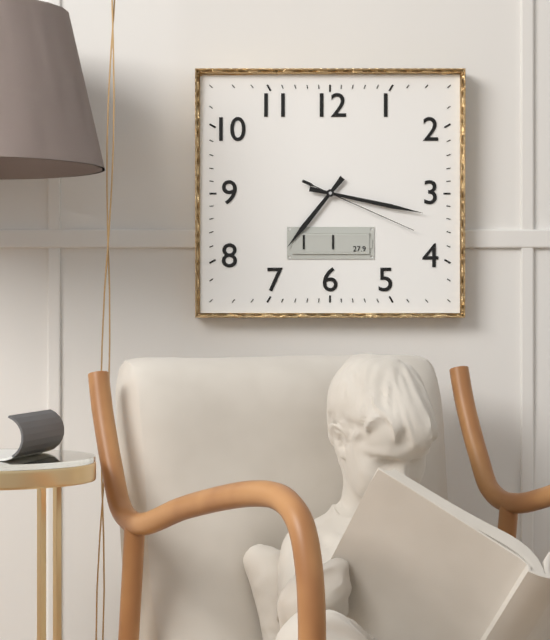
h=7 m=17 s=19
